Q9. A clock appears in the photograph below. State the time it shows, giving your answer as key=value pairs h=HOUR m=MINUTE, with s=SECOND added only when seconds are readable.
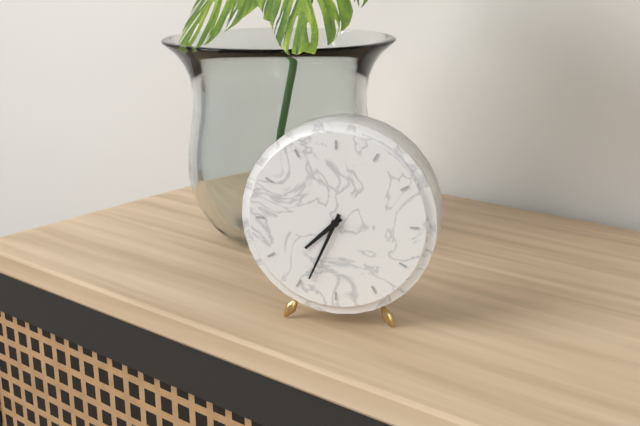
h=7 m=34
